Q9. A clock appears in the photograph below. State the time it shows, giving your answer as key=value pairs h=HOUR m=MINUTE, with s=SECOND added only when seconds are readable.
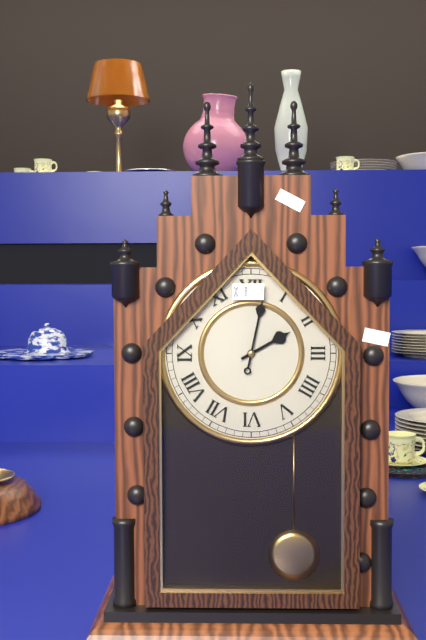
h=2 m=2
